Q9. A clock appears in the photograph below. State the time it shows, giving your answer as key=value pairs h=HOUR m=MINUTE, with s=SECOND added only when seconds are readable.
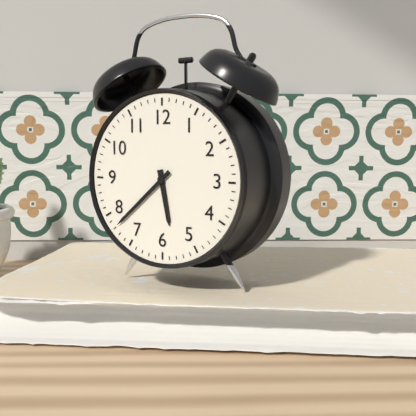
h=5 m=38
